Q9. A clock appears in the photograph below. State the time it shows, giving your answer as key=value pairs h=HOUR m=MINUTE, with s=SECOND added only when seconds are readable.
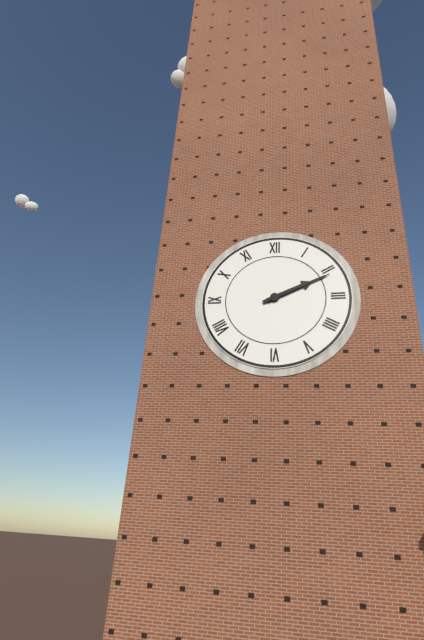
h=2 m=11
